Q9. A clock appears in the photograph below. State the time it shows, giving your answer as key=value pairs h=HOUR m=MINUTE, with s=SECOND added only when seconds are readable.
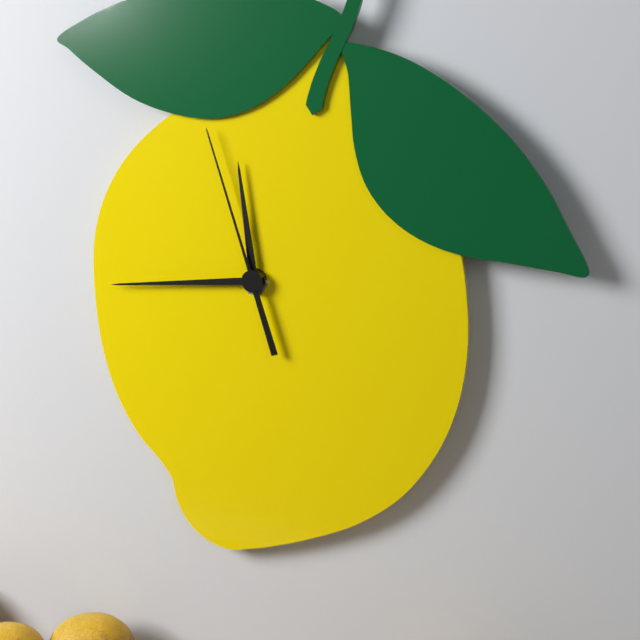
h=11 m=44 s=57
